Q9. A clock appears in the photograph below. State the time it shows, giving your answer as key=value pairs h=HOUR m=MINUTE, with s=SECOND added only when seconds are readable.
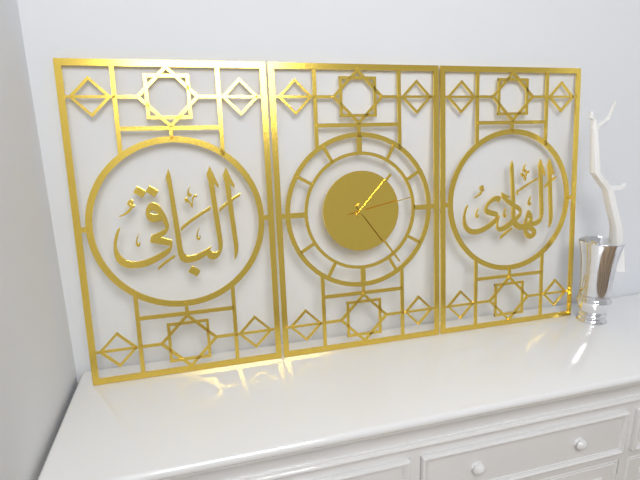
h=1 m=24 s=13
